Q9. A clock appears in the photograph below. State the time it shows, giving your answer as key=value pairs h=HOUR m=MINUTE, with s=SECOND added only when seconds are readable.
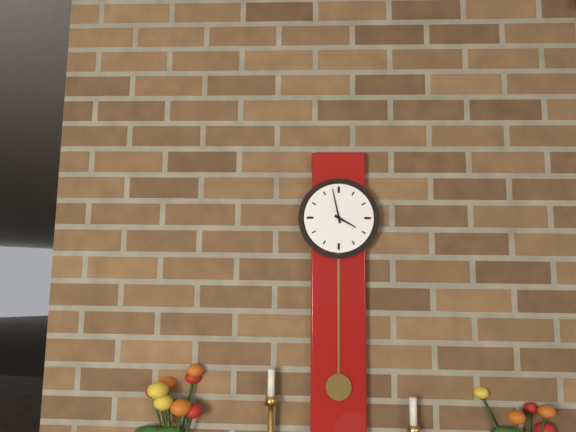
h=3 m=58
